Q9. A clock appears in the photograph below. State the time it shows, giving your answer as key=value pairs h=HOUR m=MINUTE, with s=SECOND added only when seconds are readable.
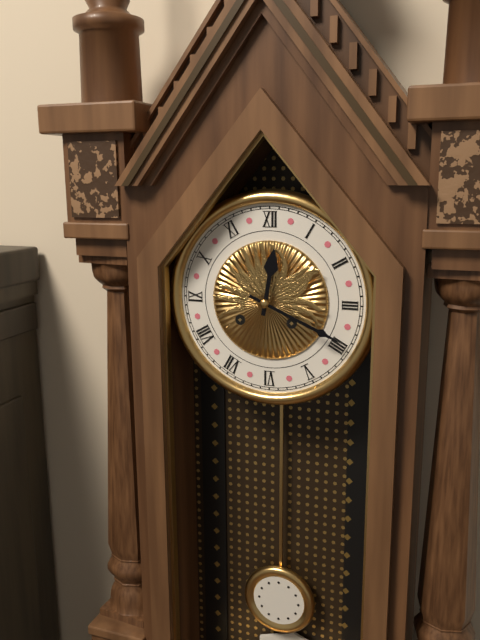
h=12 m=19
